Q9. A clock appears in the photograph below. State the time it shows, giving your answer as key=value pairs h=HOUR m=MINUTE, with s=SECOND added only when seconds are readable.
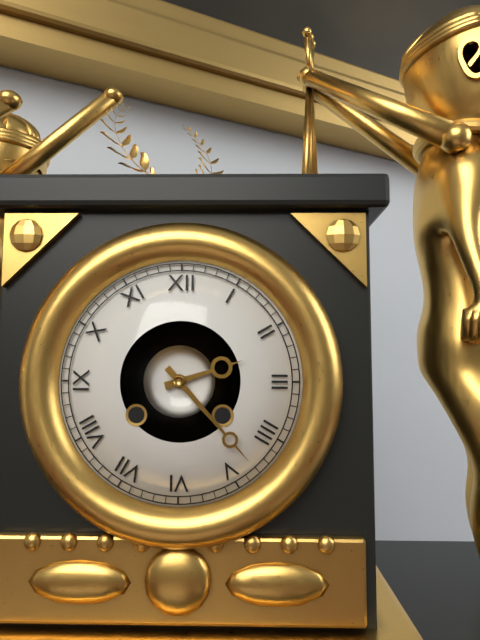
h=2 m=23
